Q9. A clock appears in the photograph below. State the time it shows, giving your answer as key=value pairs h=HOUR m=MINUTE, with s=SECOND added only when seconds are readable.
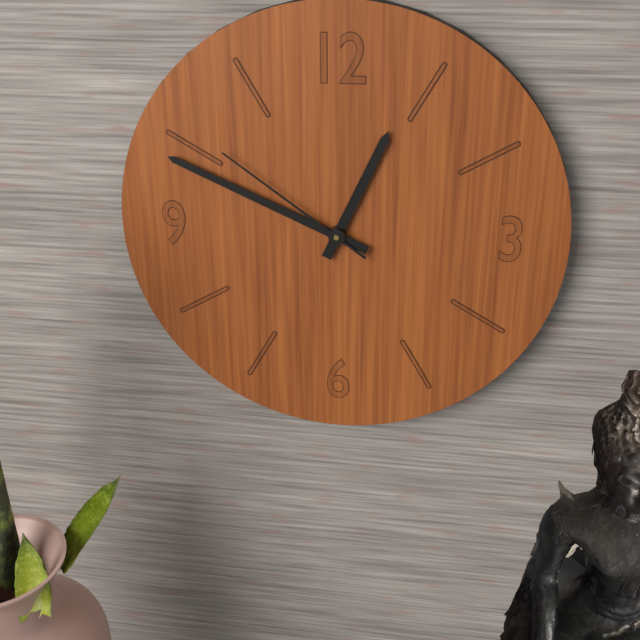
h=12 m=49 s=51
